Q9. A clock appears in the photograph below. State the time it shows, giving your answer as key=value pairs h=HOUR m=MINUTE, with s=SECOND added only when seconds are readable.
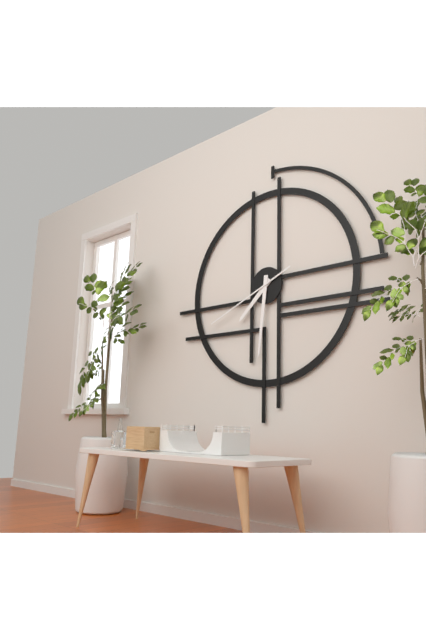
h=7 m=31 s=41
